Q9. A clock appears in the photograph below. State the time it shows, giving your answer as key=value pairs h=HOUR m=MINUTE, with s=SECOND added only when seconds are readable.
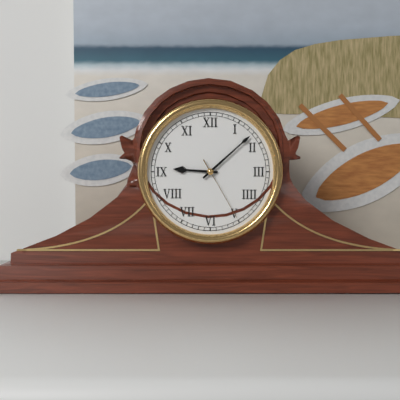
h=9 m=8 s=25
